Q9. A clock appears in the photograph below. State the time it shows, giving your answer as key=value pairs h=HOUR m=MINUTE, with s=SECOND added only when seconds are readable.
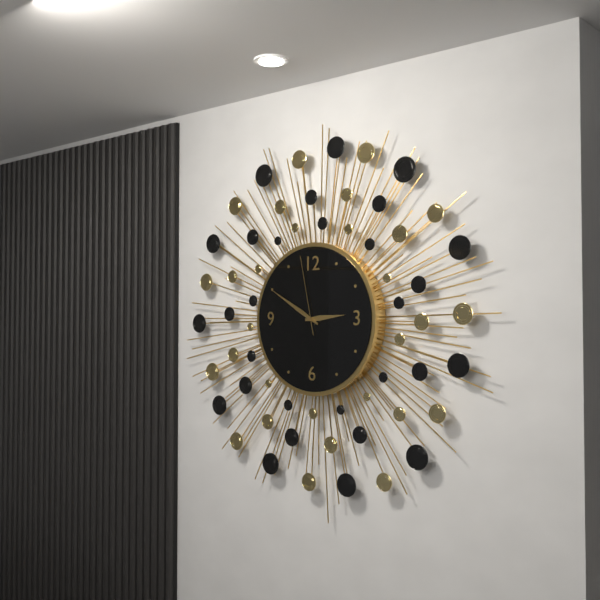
h=2 m=50 s=58
